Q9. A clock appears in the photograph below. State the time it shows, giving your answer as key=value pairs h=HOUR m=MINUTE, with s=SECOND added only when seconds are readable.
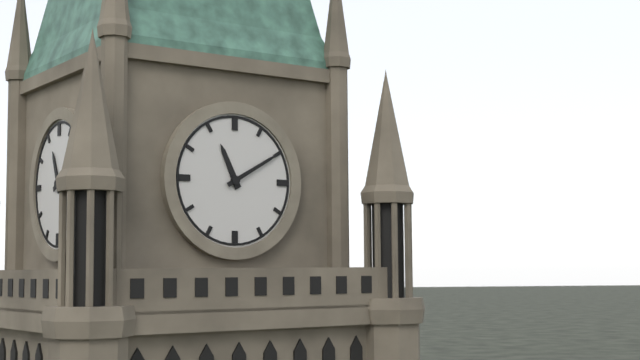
h=11 m=10
